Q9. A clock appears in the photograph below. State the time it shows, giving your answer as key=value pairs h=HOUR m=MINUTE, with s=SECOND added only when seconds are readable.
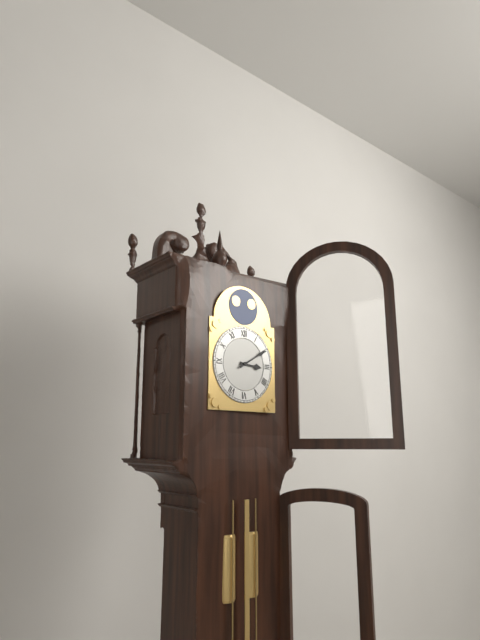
h=3 m=10
